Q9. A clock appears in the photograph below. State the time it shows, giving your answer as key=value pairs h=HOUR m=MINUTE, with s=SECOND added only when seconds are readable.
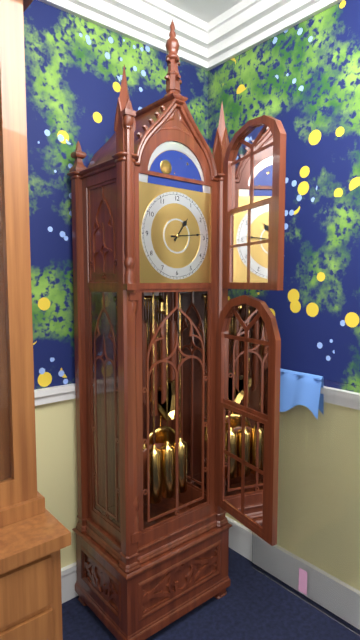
h=1 m=14
